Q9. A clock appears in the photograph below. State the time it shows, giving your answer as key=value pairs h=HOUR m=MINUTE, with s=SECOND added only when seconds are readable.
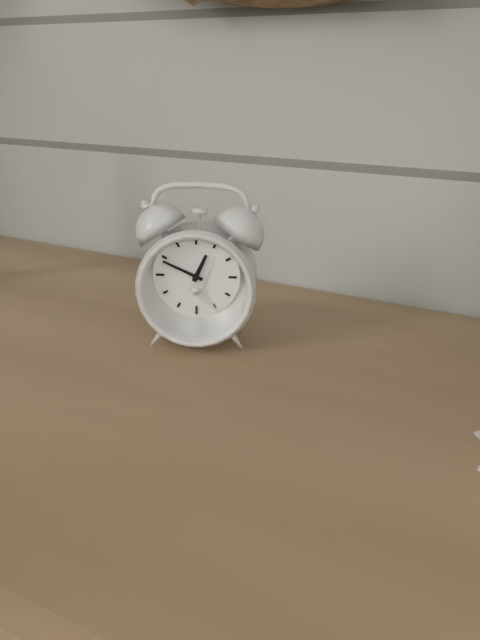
h=12 m=49
